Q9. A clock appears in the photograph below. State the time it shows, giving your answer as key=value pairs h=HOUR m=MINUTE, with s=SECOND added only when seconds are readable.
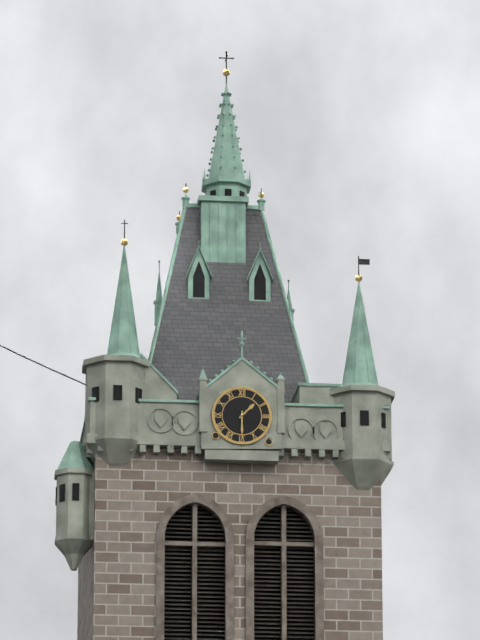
h=1 m=30
